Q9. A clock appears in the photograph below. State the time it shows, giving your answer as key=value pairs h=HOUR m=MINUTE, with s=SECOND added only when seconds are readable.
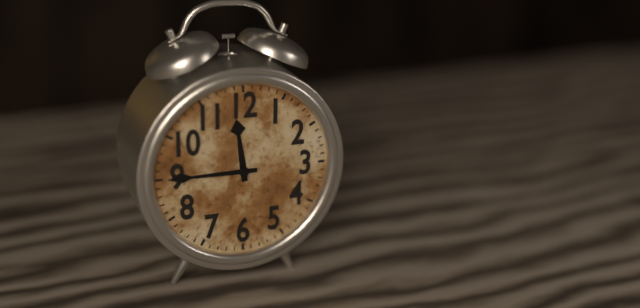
h=11 m=45
